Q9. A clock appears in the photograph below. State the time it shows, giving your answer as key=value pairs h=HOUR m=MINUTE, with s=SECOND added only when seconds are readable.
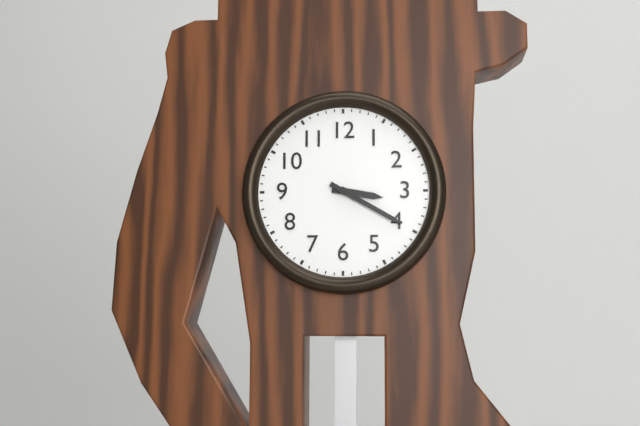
h=3 m=20
